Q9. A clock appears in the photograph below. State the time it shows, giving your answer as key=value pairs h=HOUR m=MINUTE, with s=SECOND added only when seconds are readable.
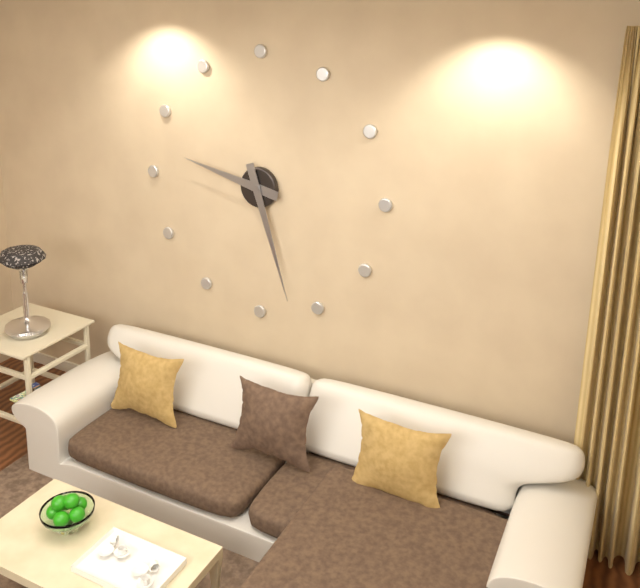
h=9 m=27
